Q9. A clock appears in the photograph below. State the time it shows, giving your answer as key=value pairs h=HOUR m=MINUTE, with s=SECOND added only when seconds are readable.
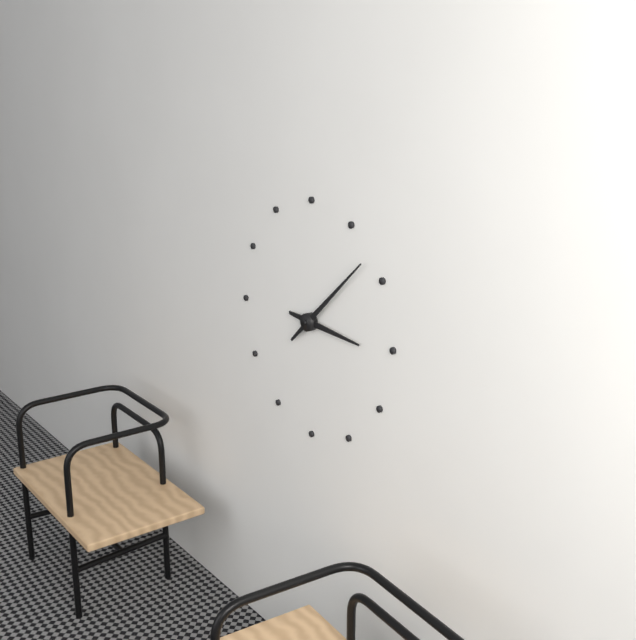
h=3 m=8
